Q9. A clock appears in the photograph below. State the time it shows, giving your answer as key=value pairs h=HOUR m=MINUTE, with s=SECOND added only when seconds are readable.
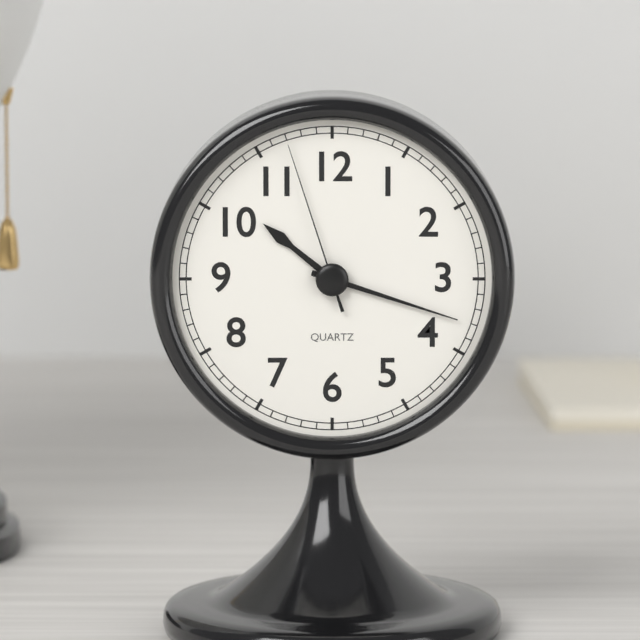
h=10 m=18 s=57
